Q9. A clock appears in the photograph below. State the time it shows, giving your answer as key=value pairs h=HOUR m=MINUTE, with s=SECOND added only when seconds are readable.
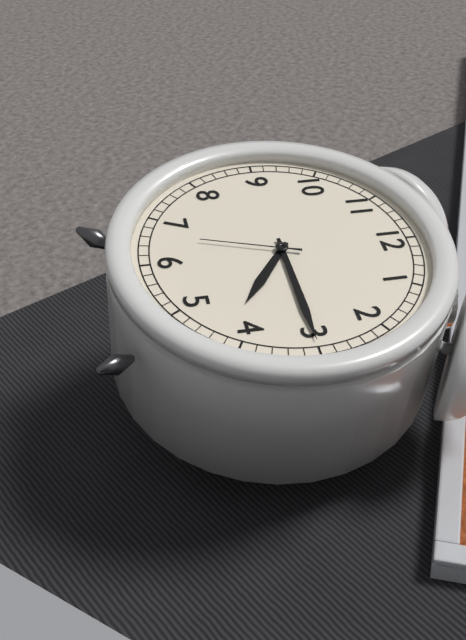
h=4 m=15 s=33
